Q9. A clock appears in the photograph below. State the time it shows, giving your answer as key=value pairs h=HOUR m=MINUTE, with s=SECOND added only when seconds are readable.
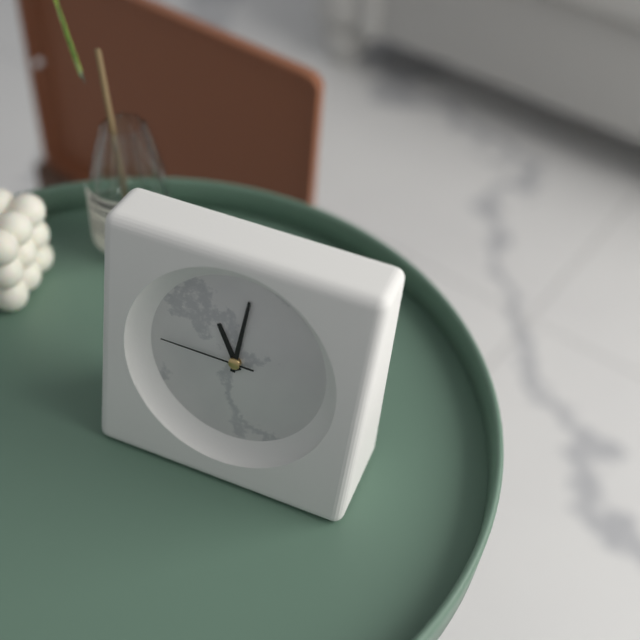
h=11 m=1 s=45
